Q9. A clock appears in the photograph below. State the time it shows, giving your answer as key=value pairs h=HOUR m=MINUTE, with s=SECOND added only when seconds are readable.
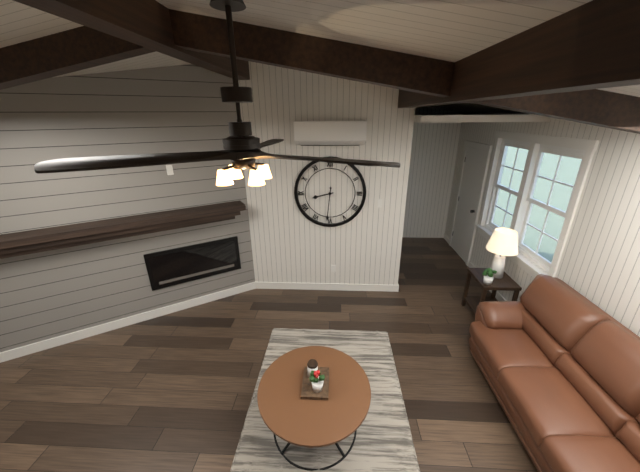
h=8 m=31
